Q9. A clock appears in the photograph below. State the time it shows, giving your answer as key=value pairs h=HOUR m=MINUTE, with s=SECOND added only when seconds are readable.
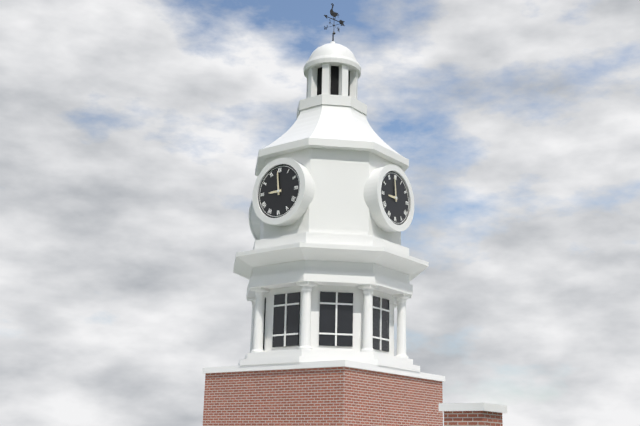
h=8 m=59
